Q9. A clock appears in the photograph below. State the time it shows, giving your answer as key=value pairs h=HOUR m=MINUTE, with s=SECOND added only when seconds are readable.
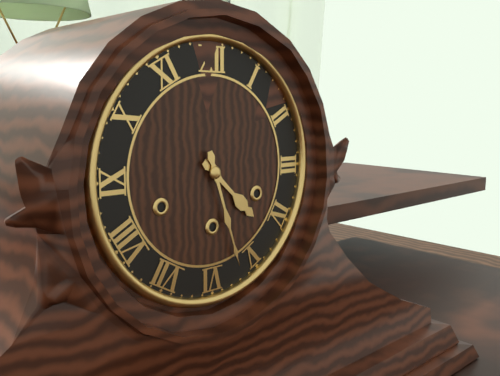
h=4 m=27
